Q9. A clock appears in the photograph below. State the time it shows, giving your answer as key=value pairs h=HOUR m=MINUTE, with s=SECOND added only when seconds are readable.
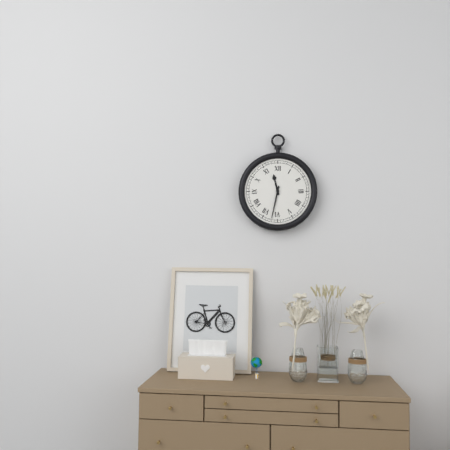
h=11 m=32
